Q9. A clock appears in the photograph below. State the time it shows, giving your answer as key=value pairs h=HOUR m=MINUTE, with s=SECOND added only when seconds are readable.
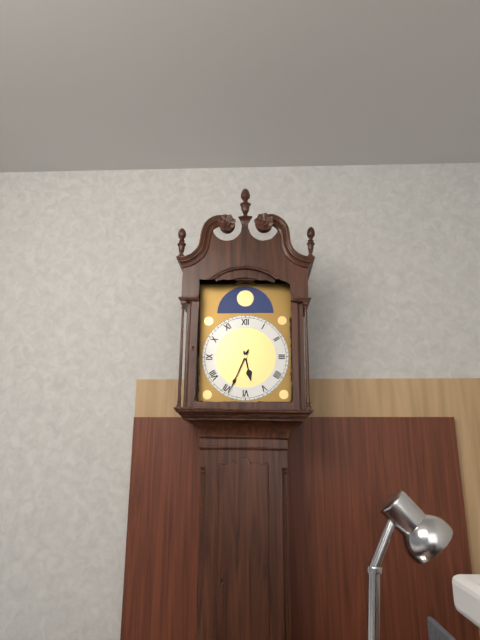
h=5 m=34
